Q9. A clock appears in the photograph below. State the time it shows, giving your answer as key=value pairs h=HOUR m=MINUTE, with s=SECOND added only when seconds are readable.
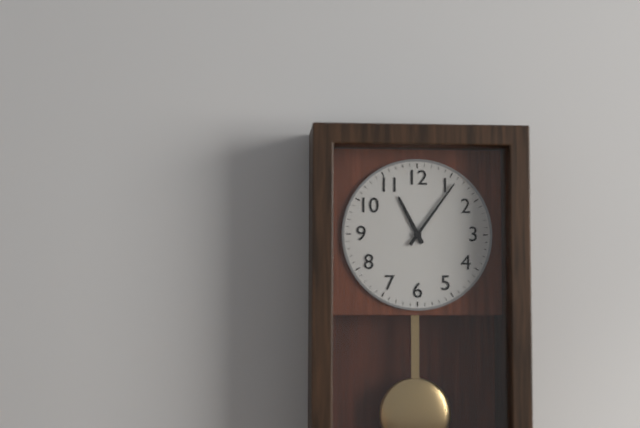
h=11 m=6
